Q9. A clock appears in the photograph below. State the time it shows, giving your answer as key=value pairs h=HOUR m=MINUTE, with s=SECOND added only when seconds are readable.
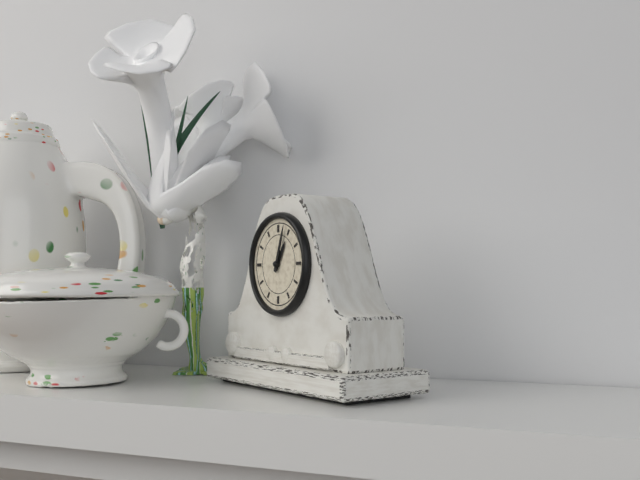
h=1 m=3
